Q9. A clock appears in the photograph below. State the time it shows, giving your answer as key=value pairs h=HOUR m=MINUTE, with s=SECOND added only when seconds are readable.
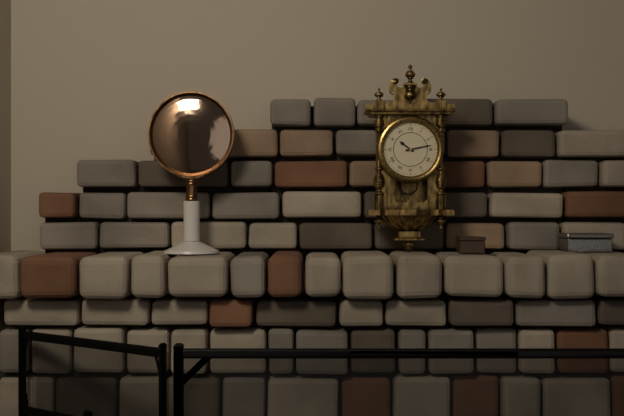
h=10 m=13
